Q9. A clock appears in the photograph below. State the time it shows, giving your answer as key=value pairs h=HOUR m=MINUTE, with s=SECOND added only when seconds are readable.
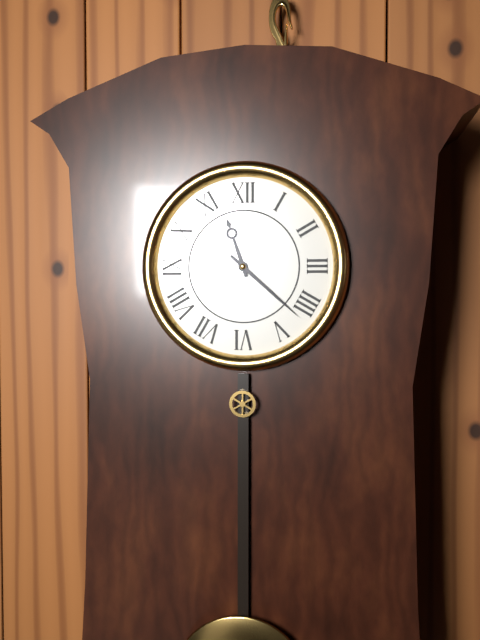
h=11 m=22
